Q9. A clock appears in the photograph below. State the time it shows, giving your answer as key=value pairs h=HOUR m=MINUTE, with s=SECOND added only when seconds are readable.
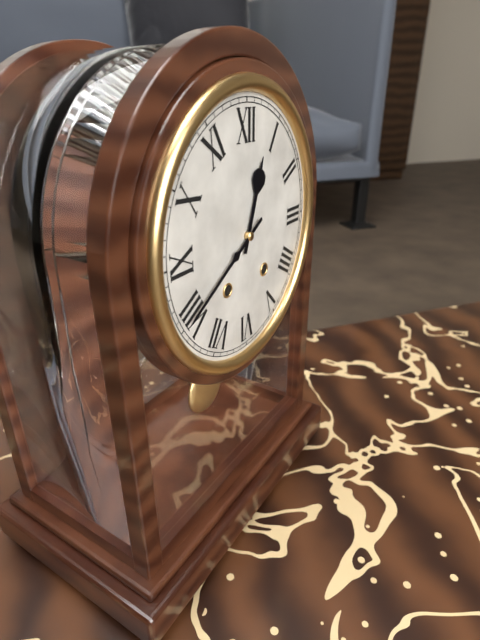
h=12 m=40
